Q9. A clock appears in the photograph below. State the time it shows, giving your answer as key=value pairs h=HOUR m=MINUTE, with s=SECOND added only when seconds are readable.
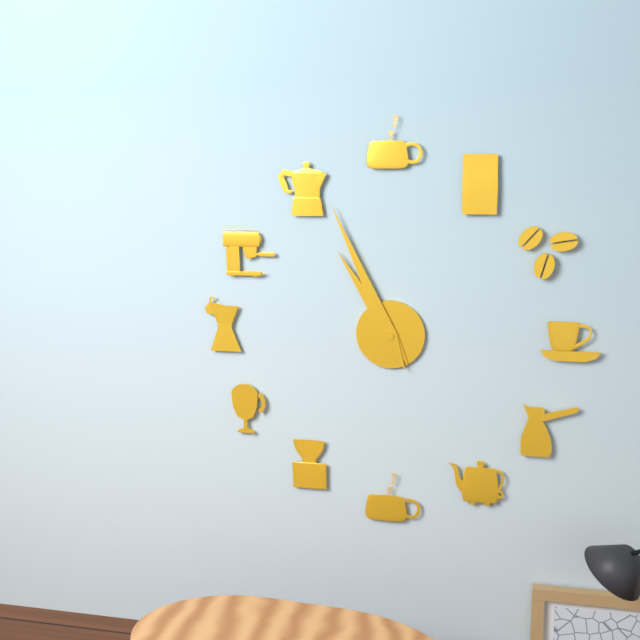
h=10 m=56
